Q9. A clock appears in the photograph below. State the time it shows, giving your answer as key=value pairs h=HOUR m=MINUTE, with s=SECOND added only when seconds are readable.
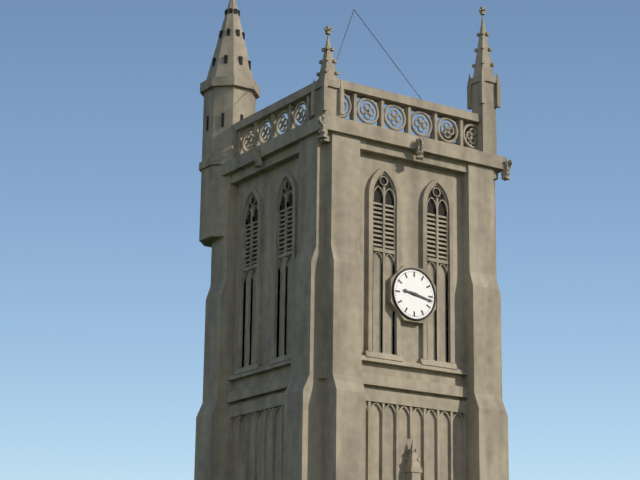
h=9 m=17
